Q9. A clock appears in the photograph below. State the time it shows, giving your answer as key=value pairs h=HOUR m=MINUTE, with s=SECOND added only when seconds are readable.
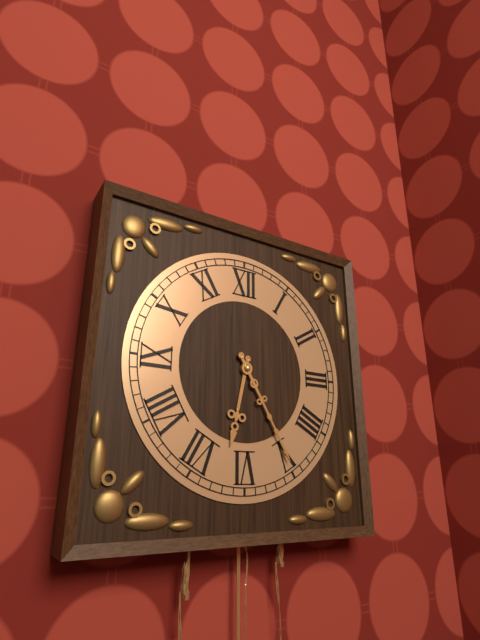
h=6 m=25
